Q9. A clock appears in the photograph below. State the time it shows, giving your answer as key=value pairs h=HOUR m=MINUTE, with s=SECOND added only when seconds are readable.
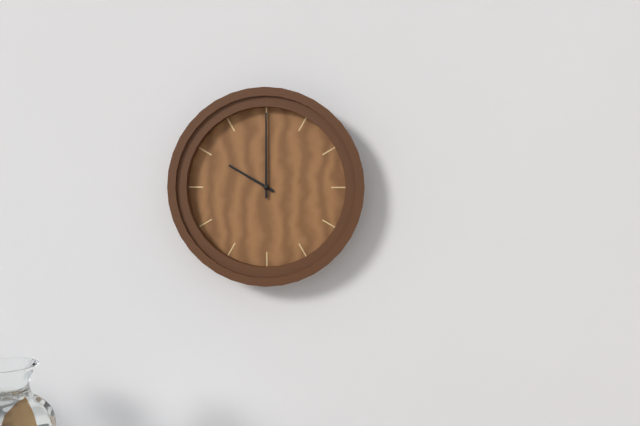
h=10 m=0
